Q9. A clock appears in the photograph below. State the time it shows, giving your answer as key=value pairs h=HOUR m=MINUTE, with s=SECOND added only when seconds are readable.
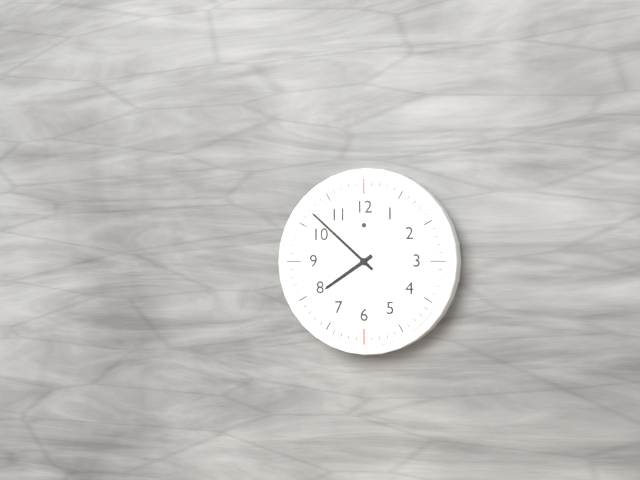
h=7 m=52
